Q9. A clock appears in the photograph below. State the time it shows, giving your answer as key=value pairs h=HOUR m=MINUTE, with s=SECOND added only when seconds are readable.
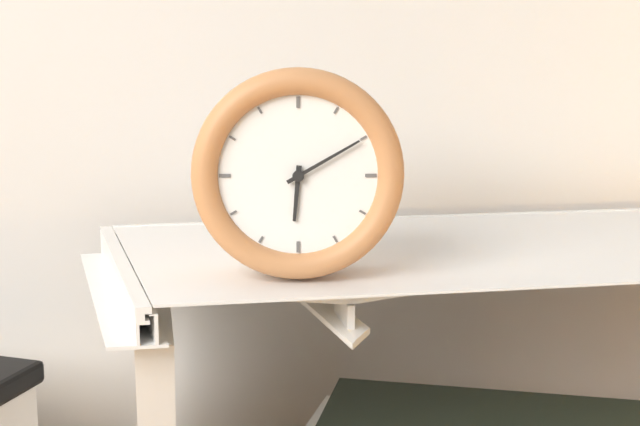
h=6 m=10
